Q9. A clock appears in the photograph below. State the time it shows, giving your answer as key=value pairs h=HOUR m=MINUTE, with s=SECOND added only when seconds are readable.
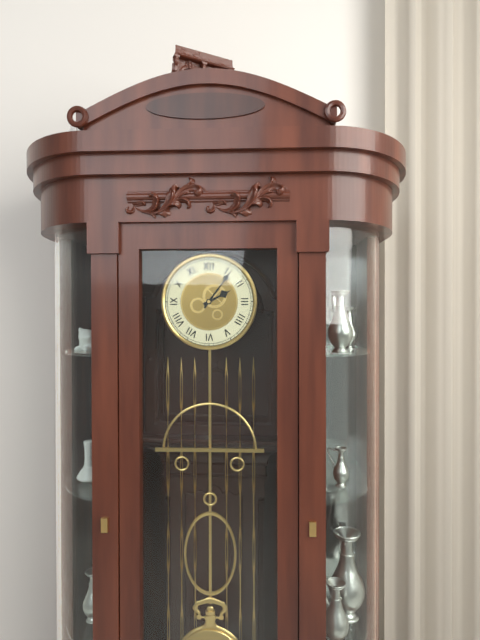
h=2 m=6
